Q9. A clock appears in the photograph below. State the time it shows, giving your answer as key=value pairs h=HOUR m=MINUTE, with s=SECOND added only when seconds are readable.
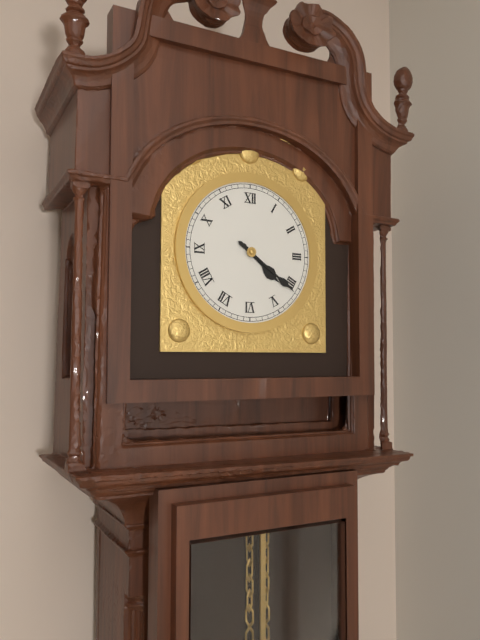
h=4 m=21
